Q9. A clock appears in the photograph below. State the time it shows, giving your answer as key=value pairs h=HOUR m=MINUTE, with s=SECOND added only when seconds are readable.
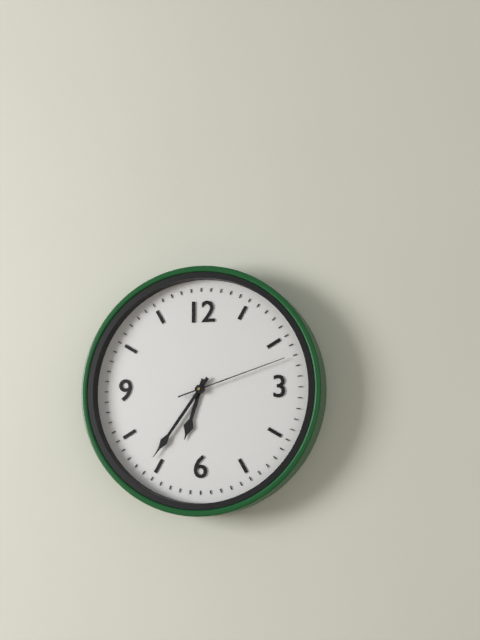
h=6 m=36 s=12
